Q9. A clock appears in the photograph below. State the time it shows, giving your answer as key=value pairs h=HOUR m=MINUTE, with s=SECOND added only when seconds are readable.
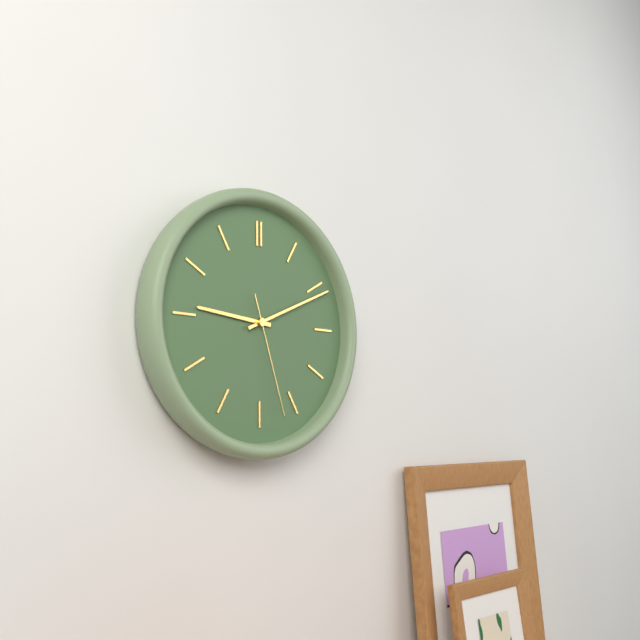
h=9 m=11 s=27
